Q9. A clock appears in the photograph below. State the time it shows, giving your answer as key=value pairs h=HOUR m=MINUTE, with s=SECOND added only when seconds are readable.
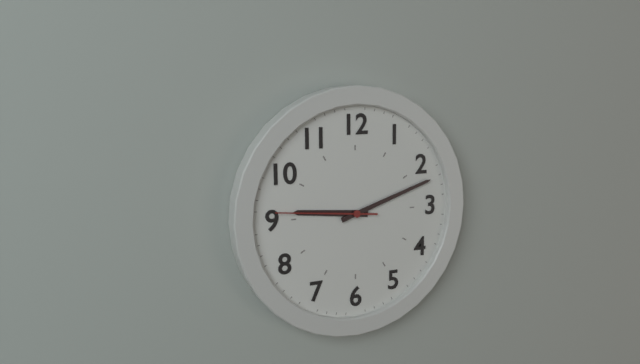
h=9 m=12 s=46
